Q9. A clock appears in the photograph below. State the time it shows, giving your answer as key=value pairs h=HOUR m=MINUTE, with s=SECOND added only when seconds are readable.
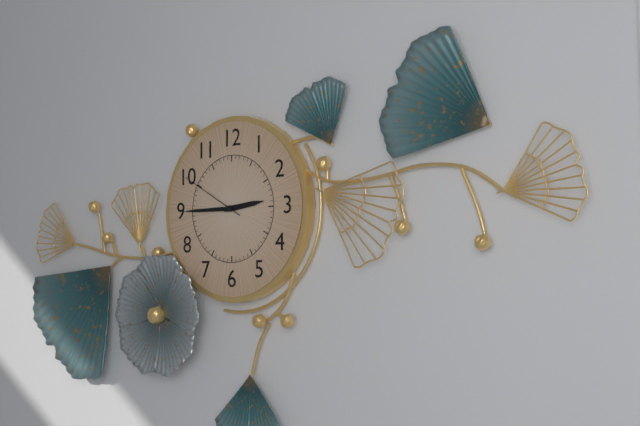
h=2 m=45 s=50
